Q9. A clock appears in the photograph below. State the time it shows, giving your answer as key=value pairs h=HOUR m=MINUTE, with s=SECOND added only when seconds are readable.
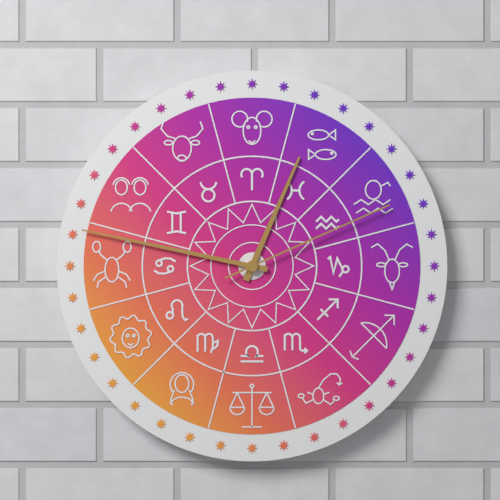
h=12 m=47 s=11
